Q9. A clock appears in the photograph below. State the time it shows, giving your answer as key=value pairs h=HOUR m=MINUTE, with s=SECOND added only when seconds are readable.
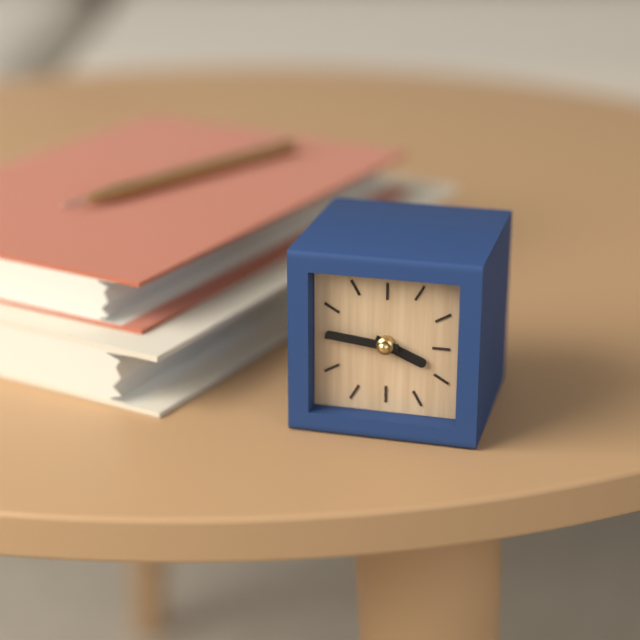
h=3 m=46
